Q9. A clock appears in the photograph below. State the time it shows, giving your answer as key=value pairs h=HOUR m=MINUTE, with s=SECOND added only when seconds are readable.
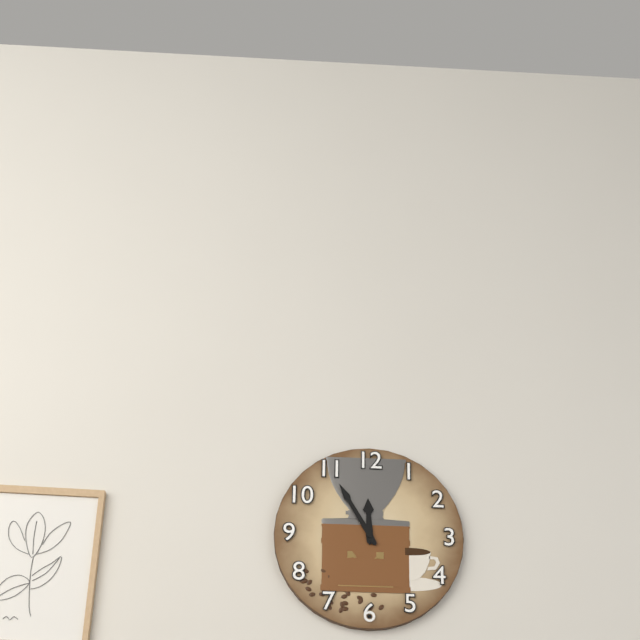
h=11 m=55
